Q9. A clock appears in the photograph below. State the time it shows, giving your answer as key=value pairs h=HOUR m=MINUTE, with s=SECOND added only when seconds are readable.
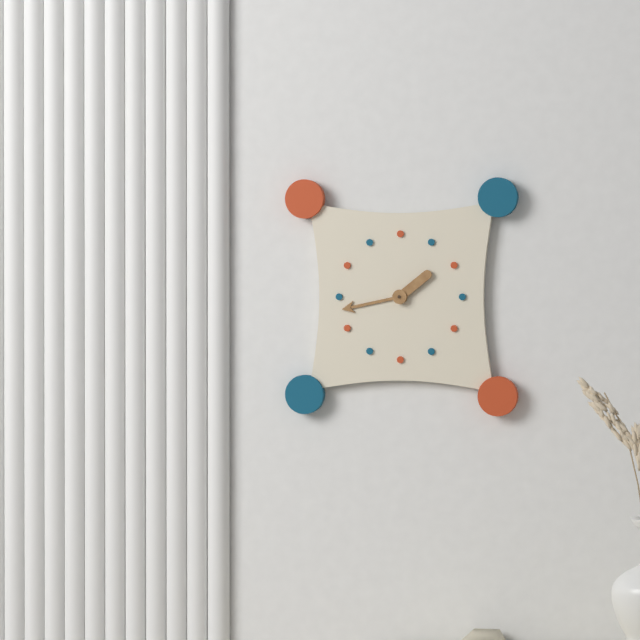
h=1 m=43
